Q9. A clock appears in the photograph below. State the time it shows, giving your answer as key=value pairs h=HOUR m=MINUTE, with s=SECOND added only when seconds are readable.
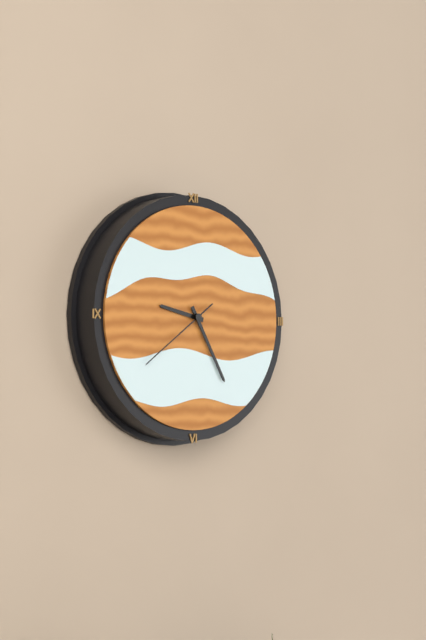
h=9 m=25 s=39
